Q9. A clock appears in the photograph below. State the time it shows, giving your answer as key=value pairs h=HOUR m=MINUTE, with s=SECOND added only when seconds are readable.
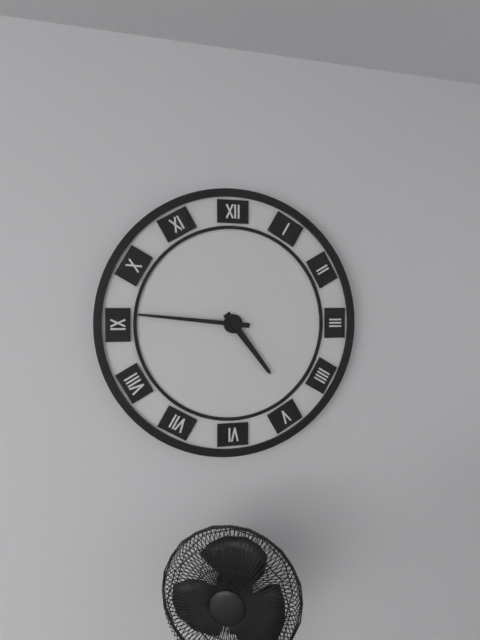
h=4 m=46
